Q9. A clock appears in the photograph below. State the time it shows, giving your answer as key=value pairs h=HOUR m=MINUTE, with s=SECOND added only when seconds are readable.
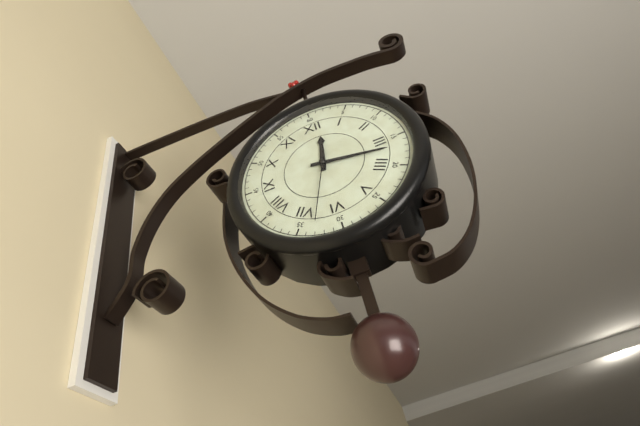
h=12 m=17 s=33
